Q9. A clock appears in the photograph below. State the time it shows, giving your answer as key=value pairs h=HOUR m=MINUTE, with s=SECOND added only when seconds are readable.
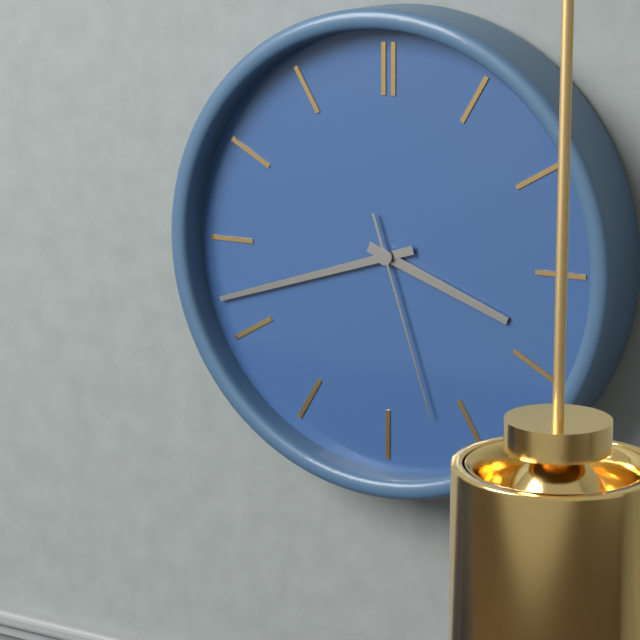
h=3 m=42 s=27
